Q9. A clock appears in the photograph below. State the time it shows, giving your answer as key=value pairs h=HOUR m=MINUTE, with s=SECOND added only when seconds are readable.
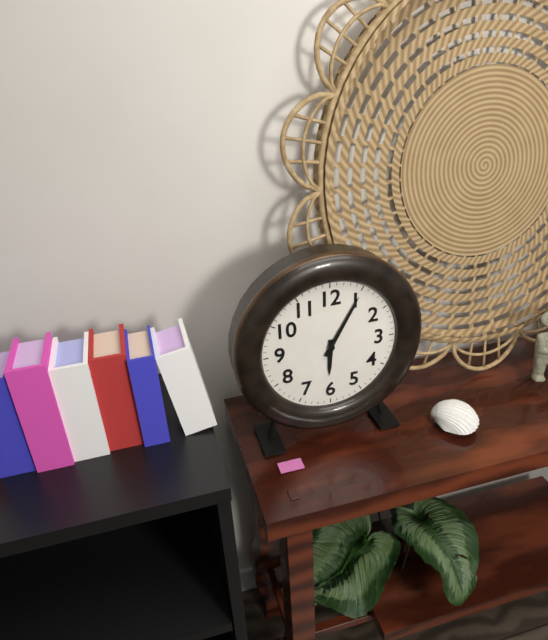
h=6 m=5
